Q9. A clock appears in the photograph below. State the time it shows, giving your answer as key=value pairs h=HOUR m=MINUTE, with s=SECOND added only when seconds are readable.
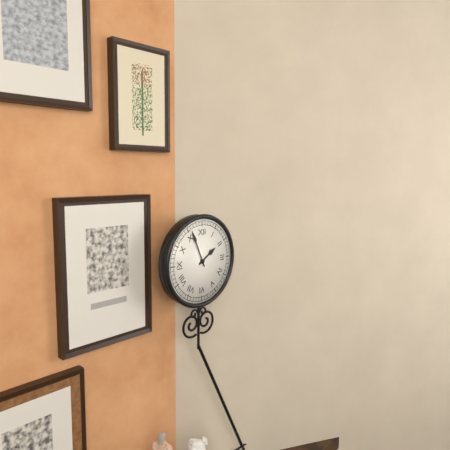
h=1 m=56
